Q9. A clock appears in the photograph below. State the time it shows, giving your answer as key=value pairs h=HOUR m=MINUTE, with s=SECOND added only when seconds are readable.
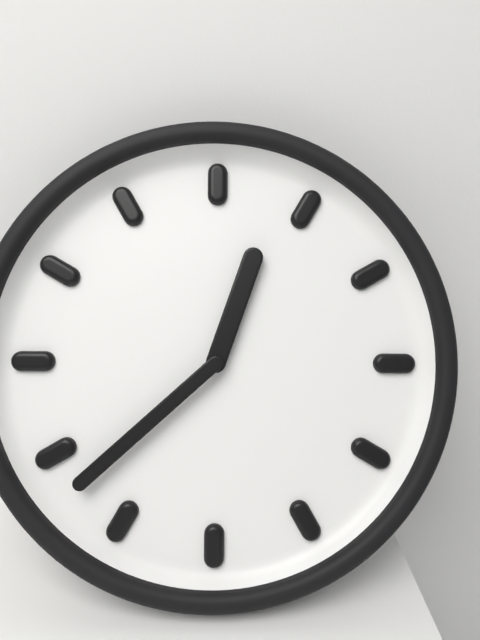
h=12 m=38
